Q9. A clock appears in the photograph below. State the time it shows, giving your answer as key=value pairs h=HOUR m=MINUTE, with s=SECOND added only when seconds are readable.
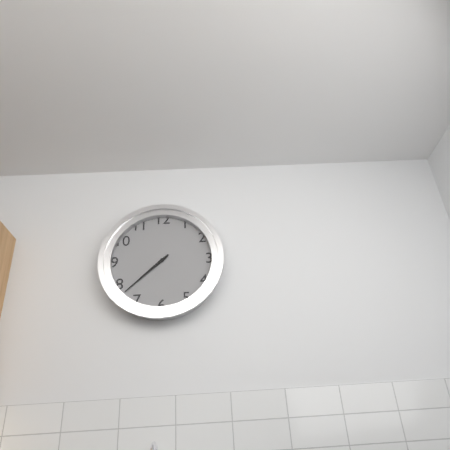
h=7 m=38
